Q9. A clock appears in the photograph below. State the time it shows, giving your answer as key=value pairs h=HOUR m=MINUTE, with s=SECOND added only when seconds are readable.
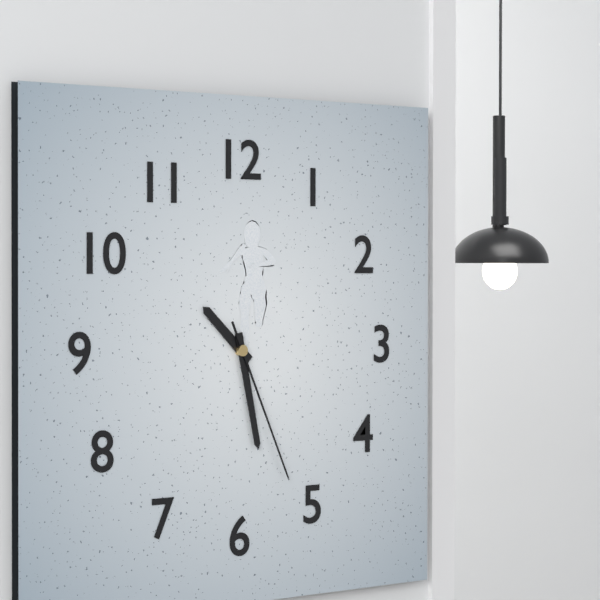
h=10 m=28 s=26
